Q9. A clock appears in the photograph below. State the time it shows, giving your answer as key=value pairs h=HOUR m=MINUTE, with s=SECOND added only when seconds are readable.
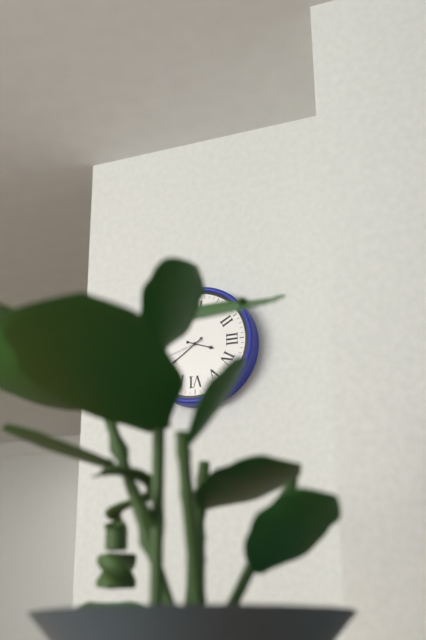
h=3 m=39
